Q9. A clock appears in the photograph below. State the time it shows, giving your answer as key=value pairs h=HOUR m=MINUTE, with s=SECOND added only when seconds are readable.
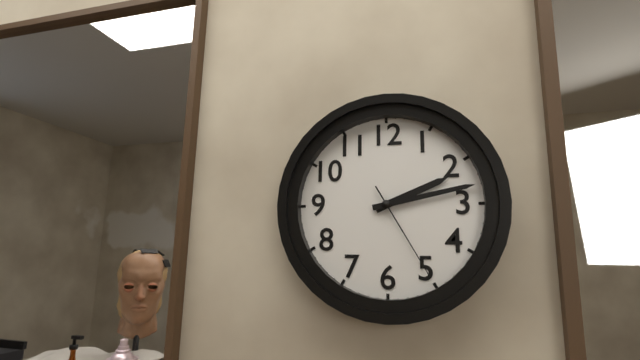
h=2 m=13 s=25
